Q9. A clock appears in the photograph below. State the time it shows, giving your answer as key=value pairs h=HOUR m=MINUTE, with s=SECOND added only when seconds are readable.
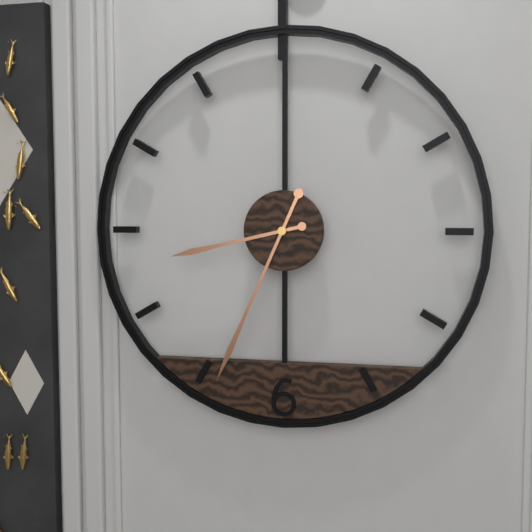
h=8 m=34
